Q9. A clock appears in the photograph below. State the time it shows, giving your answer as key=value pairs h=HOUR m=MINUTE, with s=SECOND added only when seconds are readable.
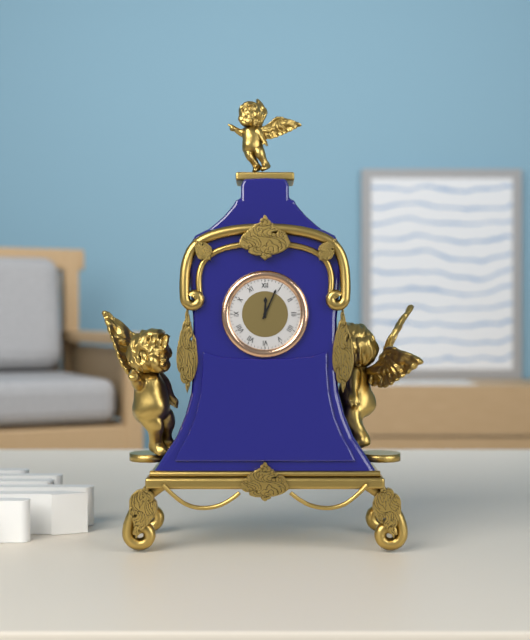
h=12 m=4
